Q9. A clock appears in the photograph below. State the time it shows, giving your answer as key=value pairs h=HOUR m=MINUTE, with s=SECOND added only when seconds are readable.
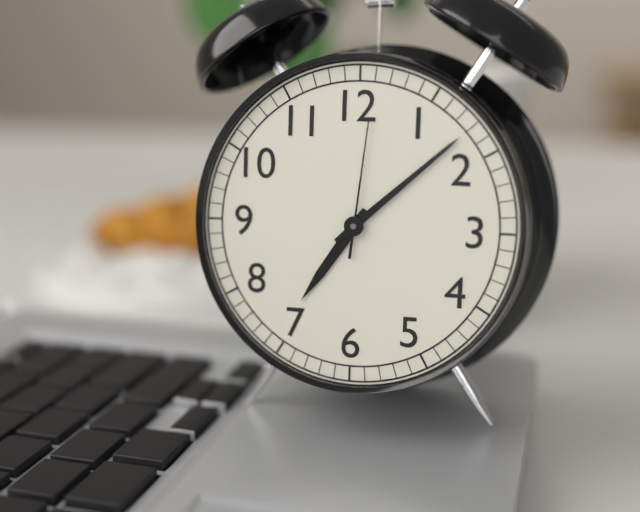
h=7 m=8 s=1
